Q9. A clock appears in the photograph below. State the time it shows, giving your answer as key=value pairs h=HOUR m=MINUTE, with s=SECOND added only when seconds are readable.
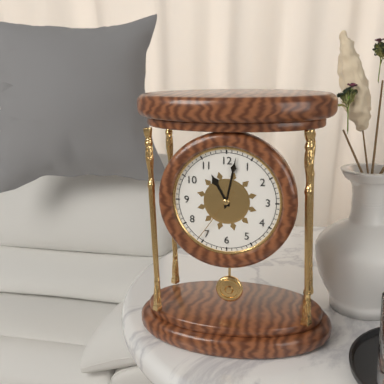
h=11 m=2 s=36
